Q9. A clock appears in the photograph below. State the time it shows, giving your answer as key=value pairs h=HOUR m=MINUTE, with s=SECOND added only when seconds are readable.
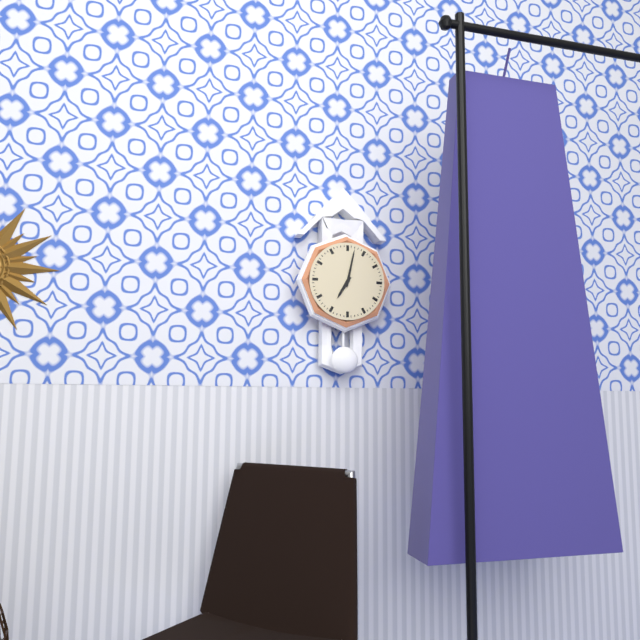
h=7 m=2
